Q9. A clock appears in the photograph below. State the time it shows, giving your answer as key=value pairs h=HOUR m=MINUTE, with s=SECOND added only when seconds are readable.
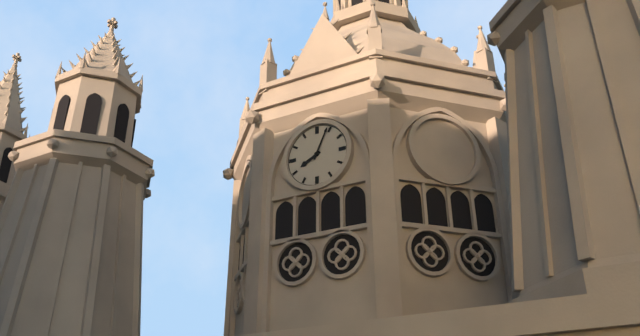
h=8 m=4
